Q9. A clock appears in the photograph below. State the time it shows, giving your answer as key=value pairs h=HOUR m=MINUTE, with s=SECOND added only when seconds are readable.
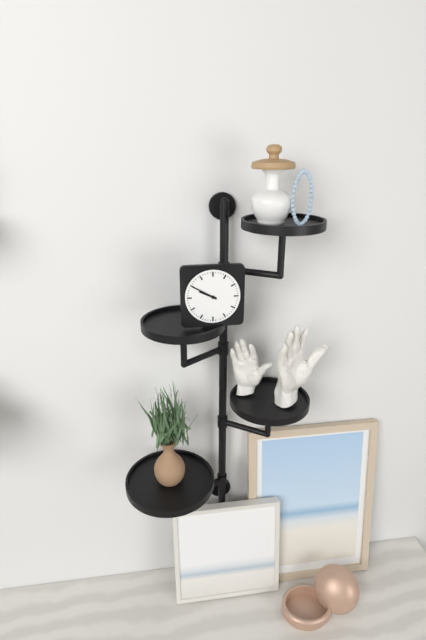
h=9 m=50
